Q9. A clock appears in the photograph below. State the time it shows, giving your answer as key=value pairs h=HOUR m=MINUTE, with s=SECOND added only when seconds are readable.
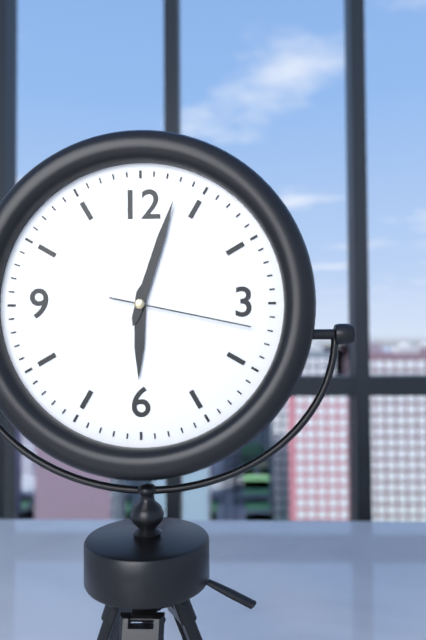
h=6 m=3 s=17
